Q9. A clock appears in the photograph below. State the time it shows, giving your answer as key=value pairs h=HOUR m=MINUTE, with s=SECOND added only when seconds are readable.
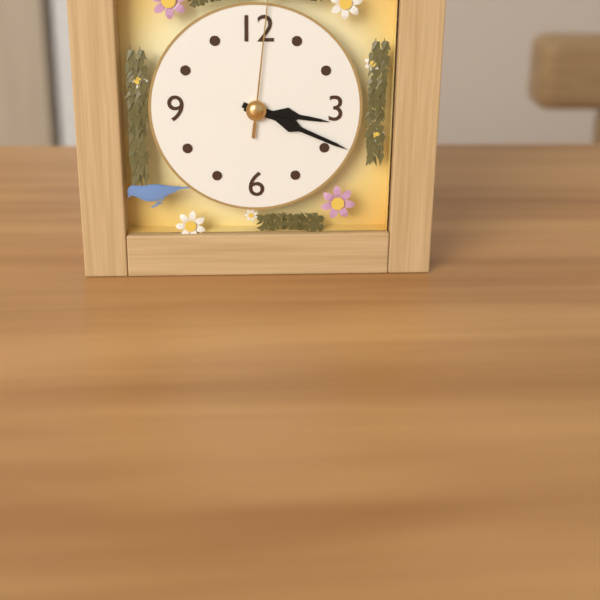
h=3 m=19
